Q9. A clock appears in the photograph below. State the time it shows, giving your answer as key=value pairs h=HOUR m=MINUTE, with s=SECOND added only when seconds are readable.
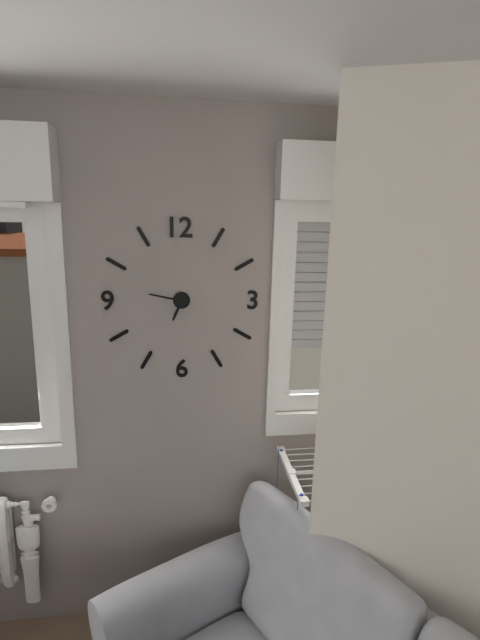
h=6 m=47
